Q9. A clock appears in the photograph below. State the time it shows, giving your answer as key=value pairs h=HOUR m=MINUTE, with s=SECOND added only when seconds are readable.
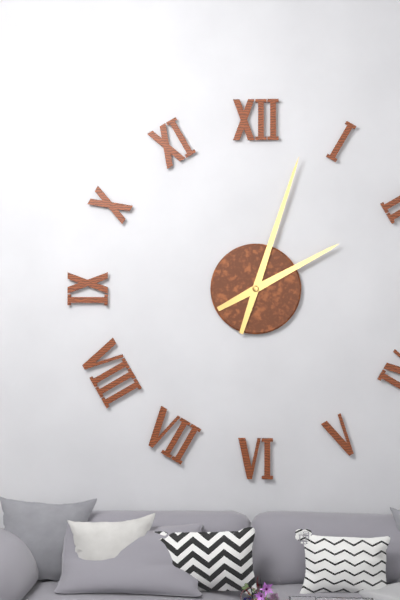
h=2 m=3
